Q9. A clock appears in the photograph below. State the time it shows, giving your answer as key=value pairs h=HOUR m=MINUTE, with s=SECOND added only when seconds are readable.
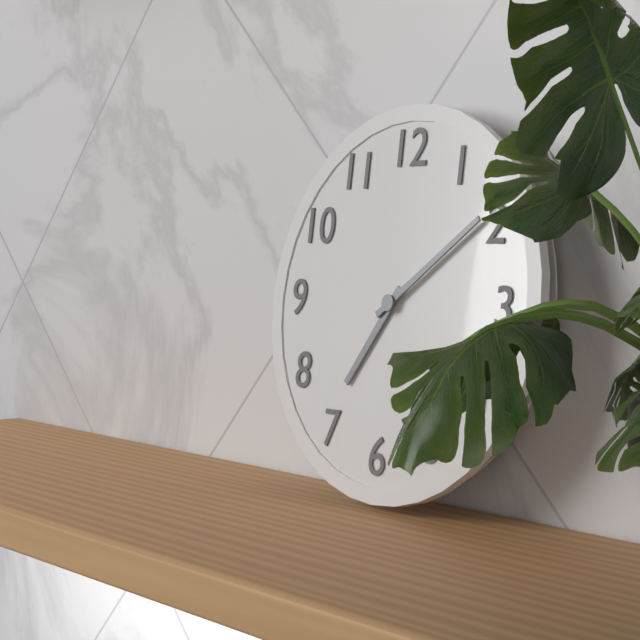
h=7 m=9
